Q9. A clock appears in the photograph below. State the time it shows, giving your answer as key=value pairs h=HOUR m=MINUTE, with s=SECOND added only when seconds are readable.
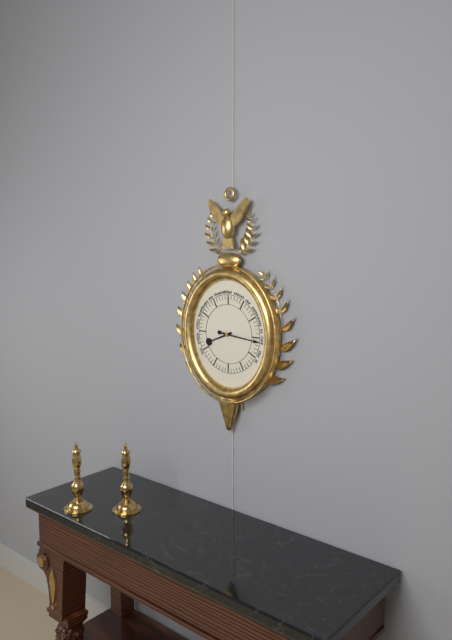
h=8 m=16
